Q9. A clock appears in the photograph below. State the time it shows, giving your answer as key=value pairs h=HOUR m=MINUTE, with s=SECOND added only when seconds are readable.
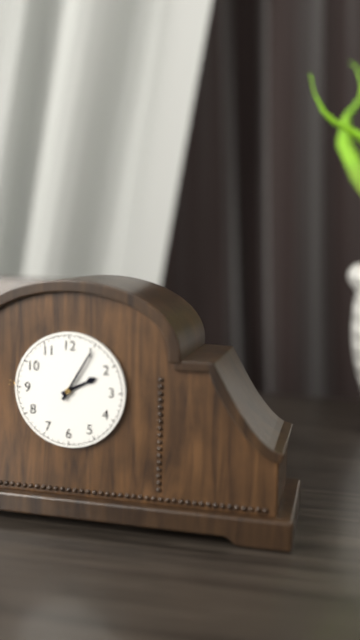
h=2 m=5
